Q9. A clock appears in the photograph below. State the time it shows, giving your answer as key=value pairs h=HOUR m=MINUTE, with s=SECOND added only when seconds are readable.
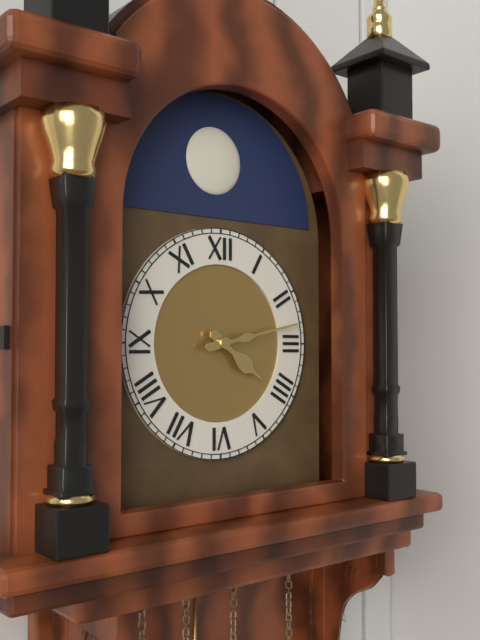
h=4 m=13
